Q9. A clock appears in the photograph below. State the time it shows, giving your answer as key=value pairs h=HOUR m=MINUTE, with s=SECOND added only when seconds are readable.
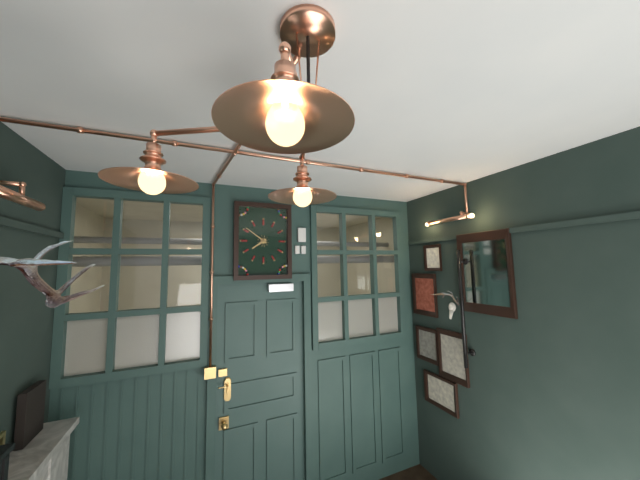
h=7 m=51
